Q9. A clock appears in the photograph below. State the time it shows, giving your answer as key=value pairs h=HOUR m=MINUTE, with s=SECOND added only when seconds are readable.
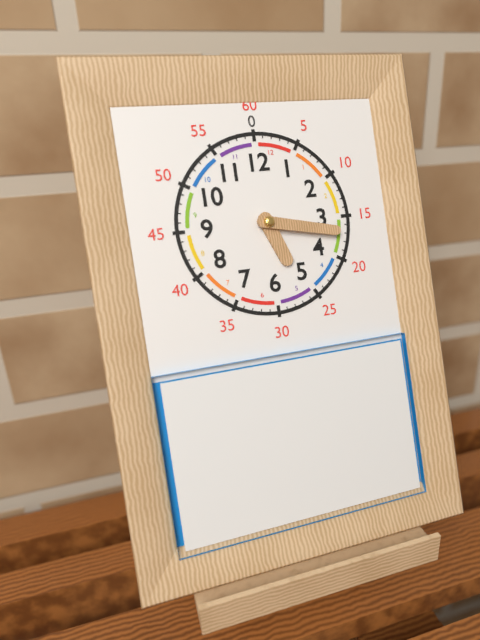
h=5 m=17
